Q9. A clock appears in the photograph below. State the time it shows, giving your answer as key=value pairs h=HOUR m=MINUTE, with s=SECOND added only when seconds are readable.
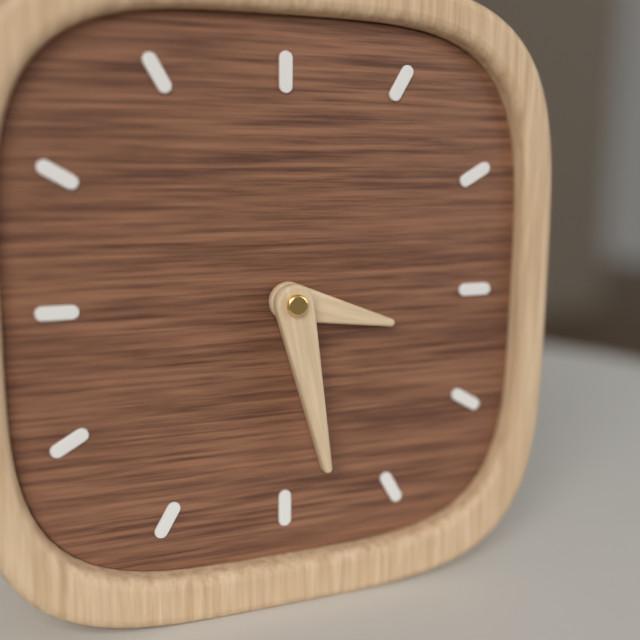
h=3 m=28
